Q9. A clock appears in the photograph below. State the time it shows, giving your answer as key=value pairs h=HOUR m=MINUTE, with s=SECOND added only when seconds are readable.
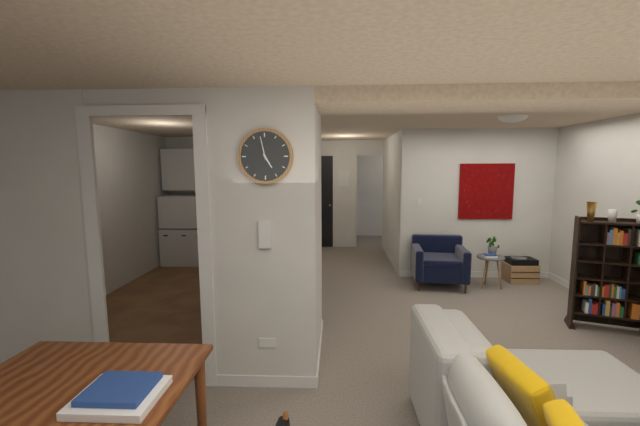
h=4 m=58
